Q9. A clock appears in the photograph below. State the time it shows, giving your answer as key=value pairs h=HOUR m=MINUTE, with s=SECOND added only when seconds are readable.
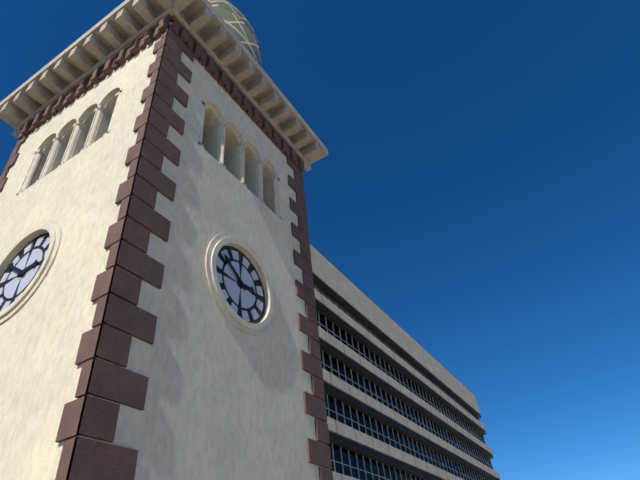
h=2 m=51
